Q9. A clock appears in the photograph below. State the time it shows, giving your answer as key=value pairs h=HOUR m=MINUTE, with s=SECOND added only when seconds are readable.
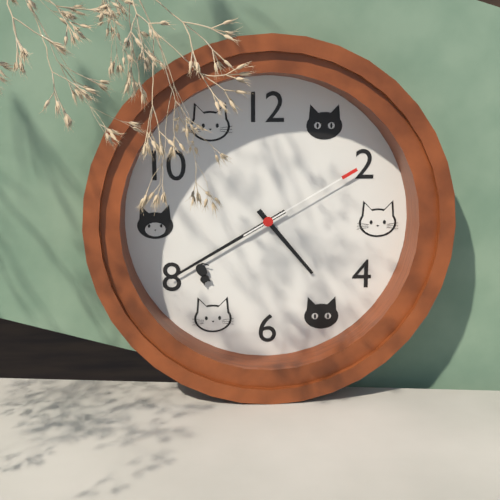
h=4 m=40 s=10
